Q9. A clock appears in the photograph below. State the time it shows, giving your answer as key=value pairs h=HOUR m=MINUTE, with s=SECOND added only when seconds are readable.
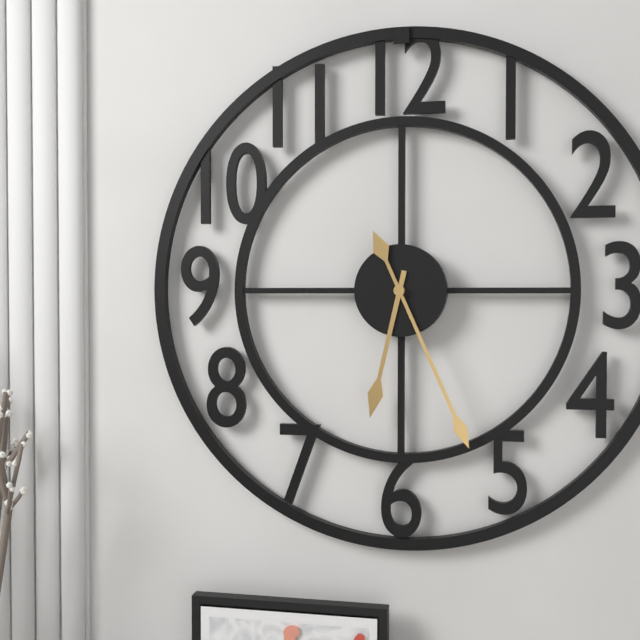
h=6 m=26
